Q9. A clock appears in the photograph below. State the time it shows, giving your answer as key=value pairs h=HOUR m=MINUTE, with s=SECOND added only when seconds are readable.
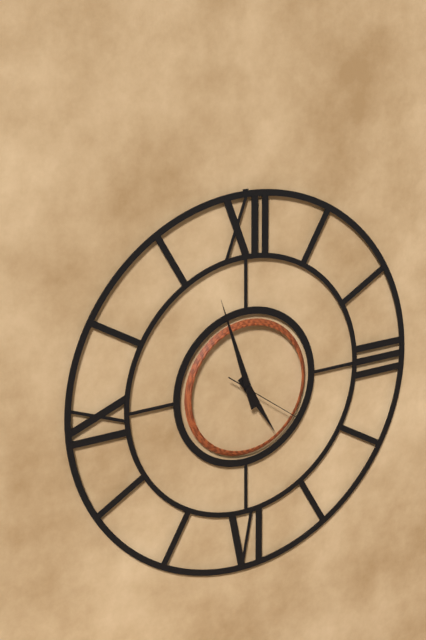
h=4 m=57 s=21
